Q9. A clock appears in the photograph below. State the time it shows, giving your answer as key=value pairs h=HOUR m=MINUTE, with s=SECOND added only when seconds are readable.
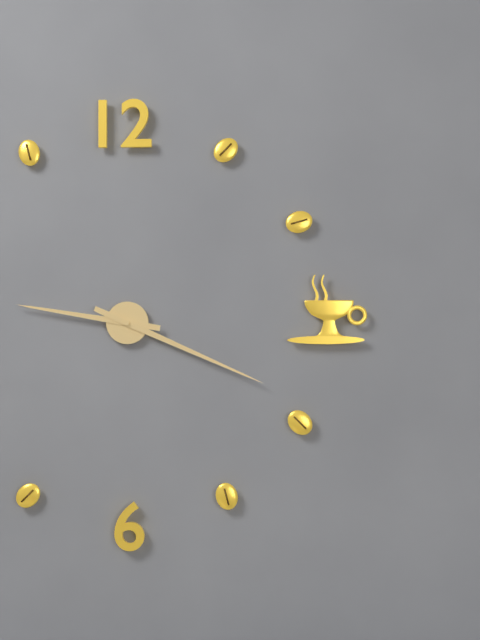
h=9 m=19
